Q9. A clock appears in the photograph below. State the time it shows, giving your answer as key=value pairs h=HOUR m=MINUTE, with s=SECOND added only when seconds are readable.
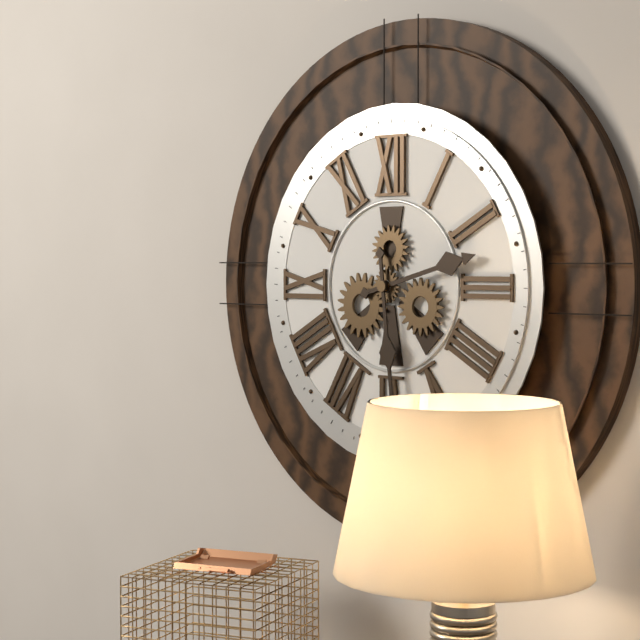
h=2 m=29
